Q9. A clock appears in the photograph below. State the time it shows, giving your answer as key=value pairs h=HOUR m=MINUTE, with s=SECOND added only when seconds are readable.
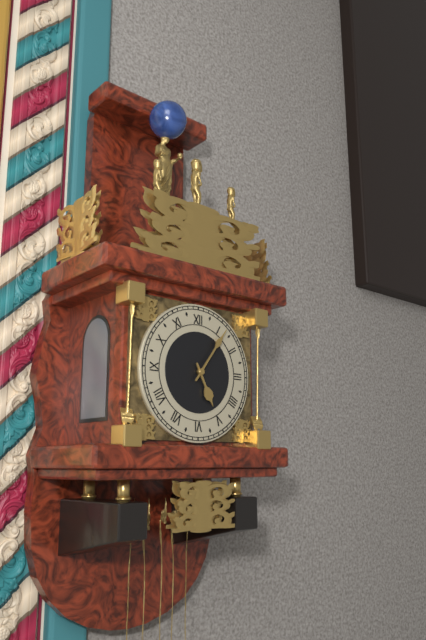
h=5 m=6
